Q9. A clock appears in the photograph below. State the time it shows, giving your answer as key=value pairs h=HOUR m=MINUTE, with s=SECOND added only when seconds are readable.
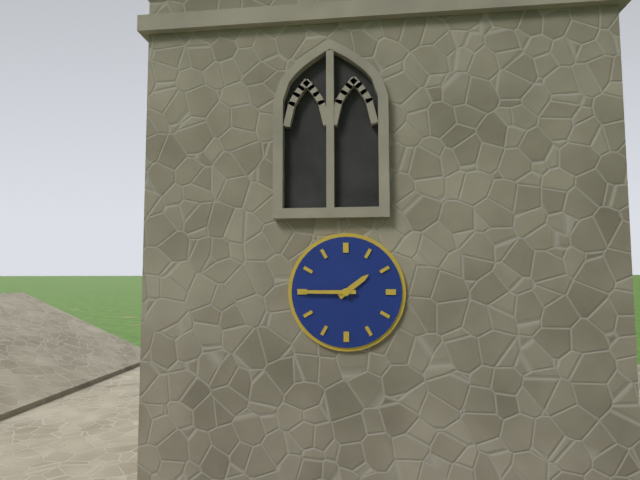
h=1 m=45
